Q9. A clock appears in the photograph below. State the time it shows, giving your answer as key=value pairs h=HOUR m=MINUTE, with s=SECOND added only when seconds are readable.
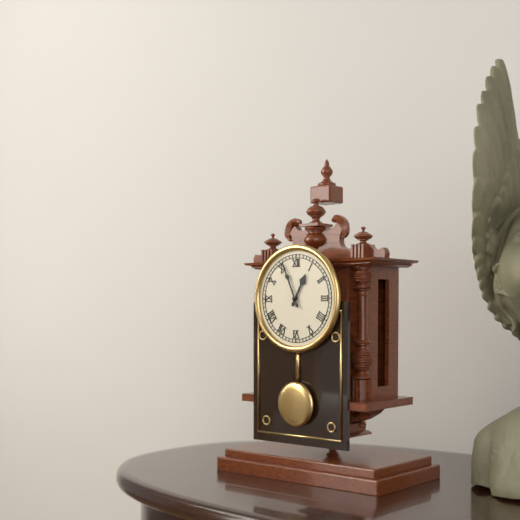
h=12 m=56
